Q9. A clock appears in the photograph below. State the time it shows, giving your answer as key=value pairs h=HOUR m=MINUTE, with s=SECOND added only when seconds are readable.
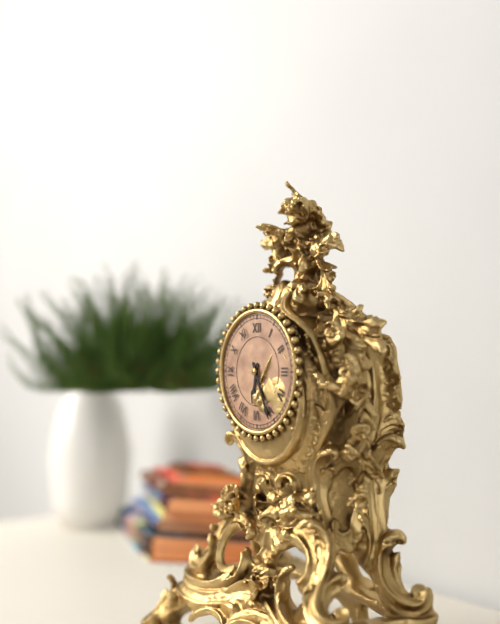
h=6 m=26
